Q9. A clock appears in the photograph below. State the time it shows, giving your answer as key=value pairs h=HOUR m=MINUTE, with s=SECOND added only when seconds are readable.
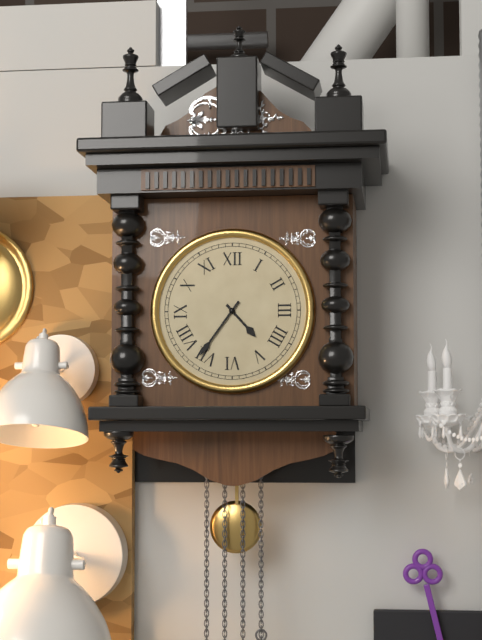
h=4 m=36
